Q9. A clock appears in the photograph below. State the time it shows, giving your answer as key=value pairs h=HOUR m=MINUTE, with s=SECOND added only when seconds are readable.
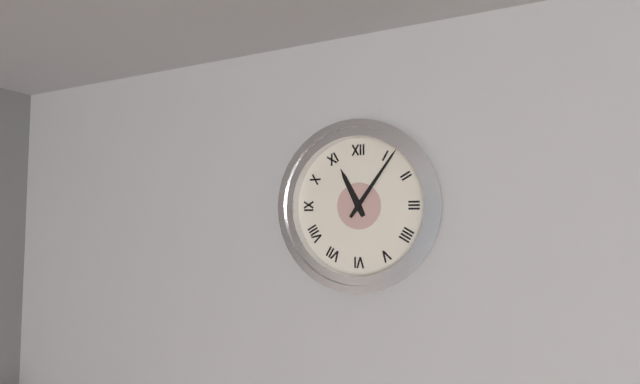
h=11 m=6
